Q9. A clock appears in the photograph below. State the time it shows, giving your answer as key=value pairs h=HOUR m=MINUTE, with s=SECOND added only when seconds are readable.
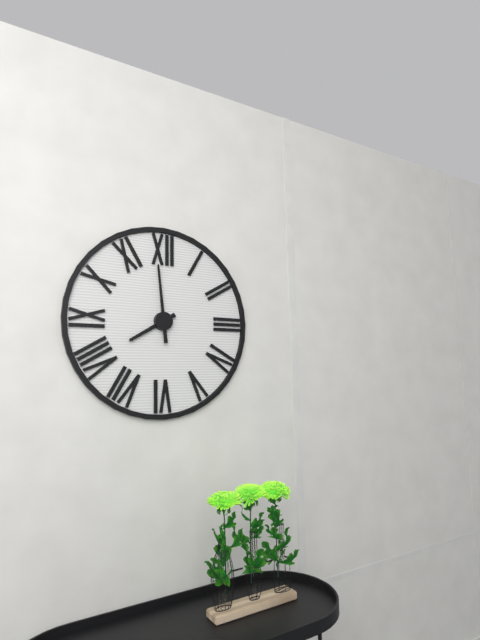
h=7 m=59
